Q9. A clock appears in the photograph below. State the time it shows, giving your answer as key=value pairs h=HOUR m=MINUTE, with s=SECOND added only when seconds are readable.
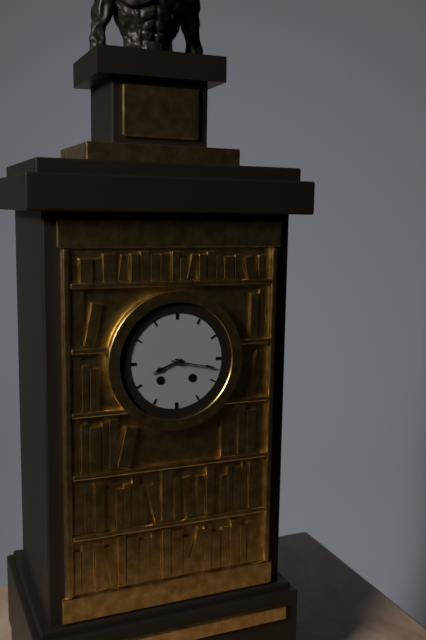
h=8 m=17
